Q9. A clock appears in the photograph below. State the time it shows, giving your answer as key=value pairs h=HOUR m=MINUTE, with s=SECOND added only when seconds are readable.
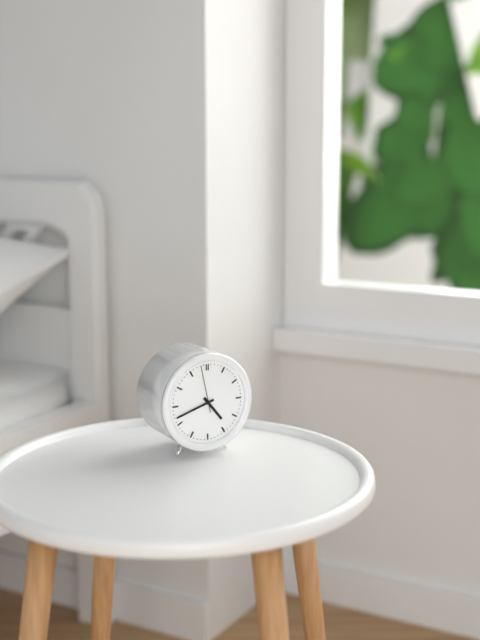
h=4 m=42
